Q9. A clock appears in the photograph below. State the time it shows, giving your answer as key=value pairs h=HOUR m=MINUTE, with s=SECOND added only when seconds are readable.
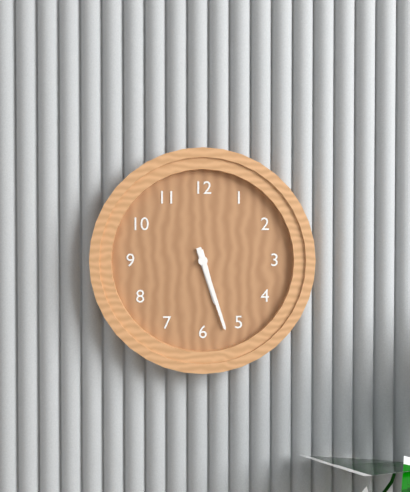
h=5 m=27
